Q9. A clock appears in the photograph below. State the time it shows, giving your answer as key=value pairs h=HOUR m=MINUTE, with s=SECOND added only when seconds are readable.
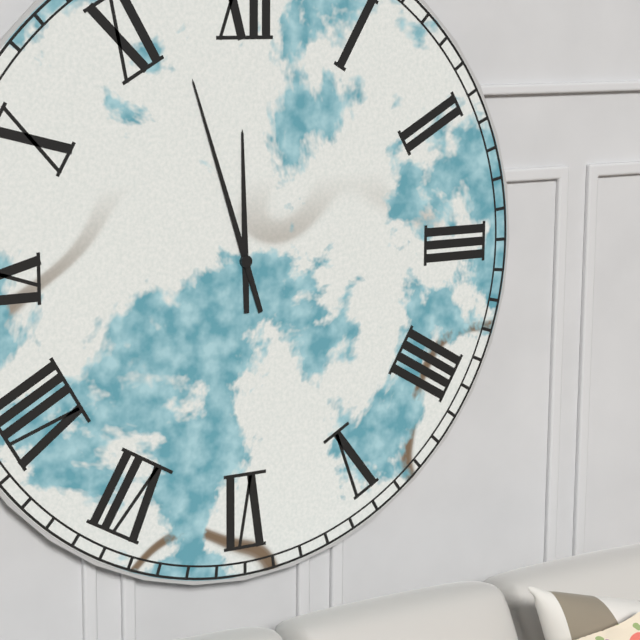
h=11 m=57
